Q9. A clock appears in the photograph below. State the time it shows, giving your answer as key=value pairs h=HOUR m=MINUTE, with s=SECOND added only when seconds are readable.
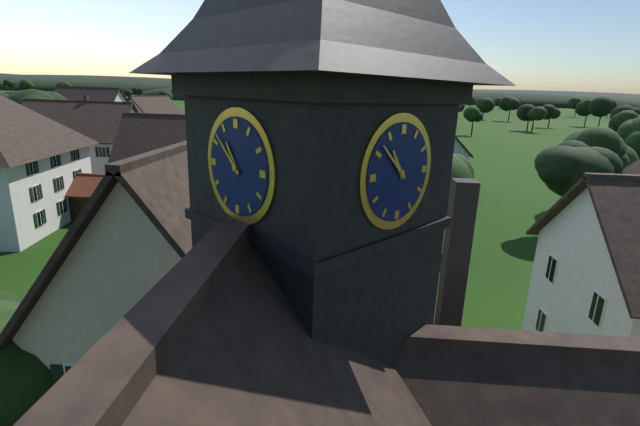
h=10 m=52
